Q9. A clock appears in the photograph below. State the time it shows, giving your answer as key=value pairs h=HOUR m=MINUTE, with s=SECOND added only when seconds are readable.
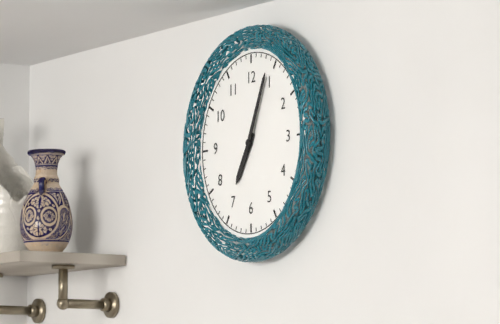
h=7 m=4
